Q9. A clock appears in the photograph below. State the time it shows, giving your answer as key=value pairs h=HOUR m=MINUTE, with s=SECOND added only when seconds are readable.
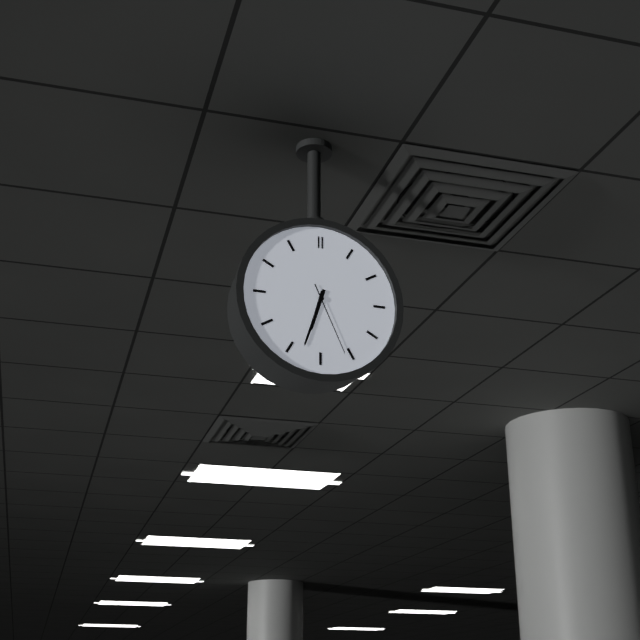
h=6 m=33 s=26
